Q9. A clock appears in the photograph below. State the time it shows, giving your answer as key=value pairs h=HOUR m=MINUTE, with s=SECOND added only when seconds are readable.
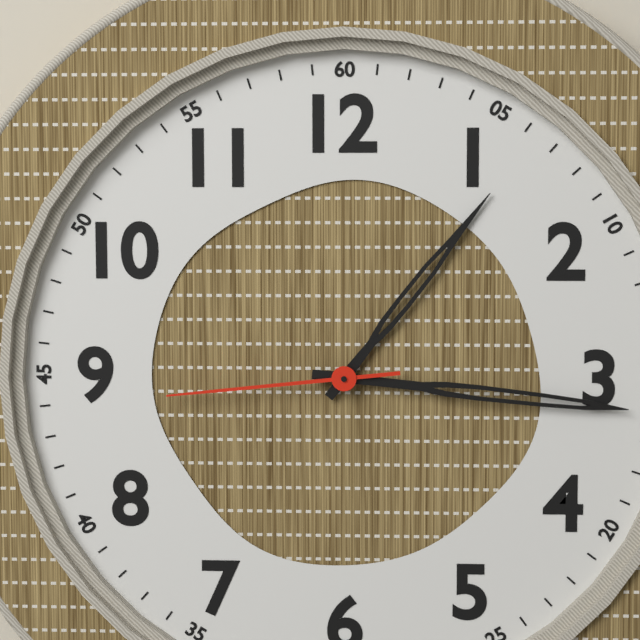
h=1 m=16 s=44
